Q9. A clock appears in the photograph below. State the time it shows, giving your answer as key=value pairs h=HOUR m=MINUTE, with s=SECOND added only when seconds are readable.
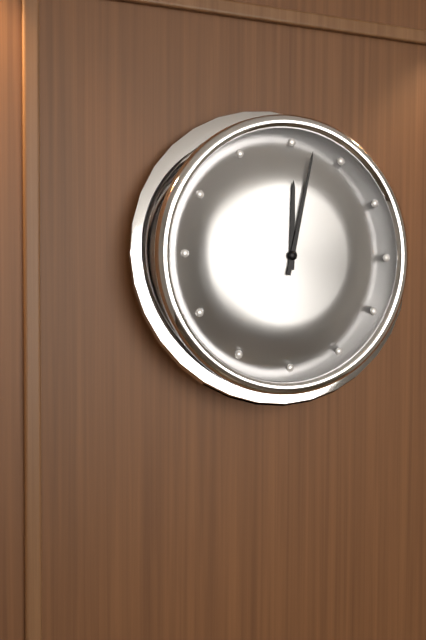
h=12 m=2
